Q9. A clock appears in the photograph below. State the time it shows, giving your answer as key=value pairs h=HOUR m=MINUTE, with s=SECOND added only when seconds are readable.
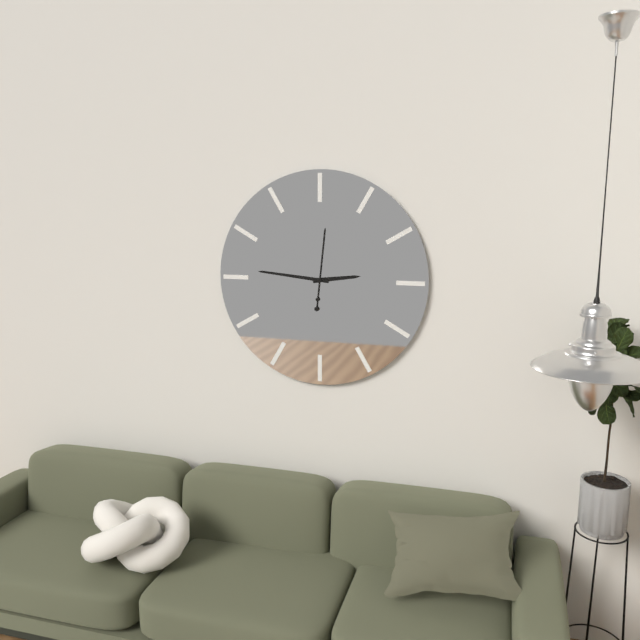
h=2 m=46 s=1
